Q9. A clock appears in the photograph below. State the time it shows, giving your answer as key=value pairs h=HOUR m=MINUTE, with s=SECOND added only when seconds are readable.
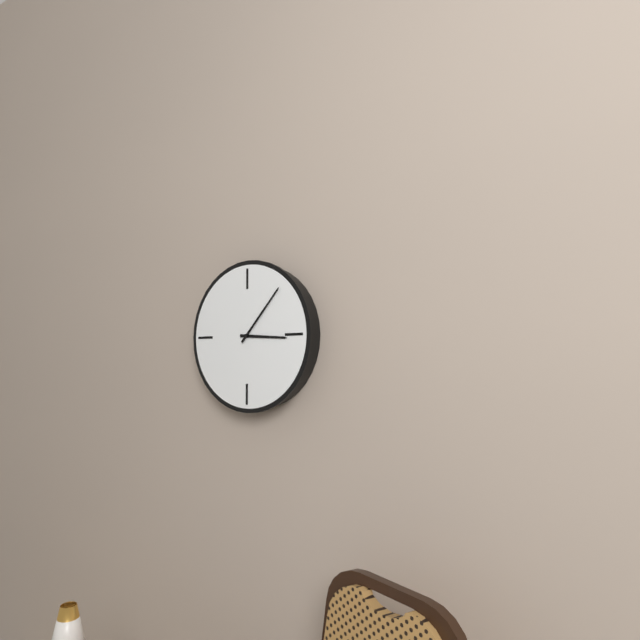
h=3 m=7
